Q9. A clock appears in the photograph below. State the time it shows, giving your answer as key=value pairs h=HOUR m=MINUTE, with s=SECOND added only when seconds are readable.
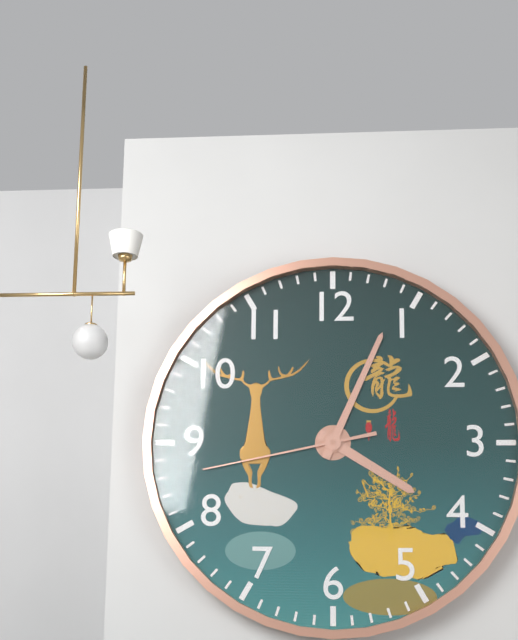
h=4 m=4 s=43
